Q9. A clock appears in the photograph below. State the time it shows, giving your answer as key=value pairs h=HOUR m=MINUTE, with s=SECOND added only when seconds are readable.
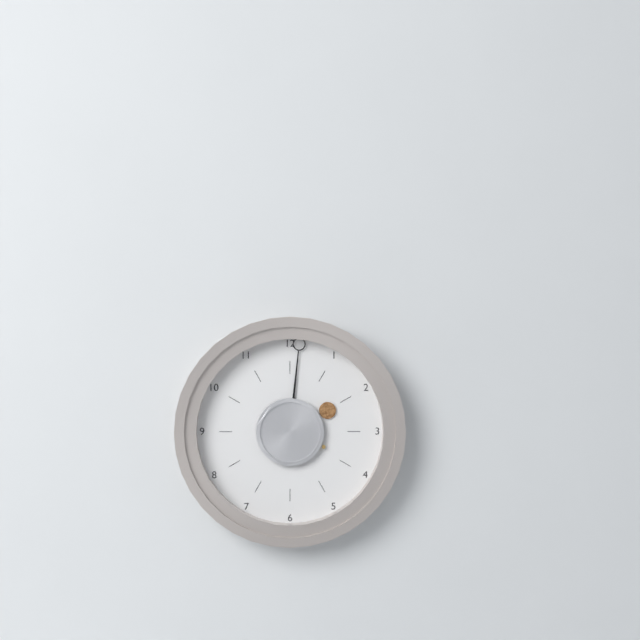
h=2 m=1
